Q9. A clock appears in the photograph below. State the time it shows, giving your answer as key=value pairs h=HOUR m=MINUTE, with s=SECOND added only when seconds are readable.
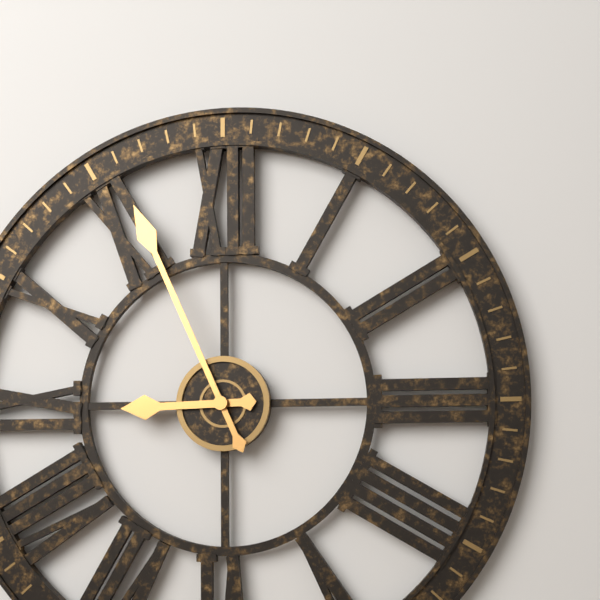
h=8 m=56
